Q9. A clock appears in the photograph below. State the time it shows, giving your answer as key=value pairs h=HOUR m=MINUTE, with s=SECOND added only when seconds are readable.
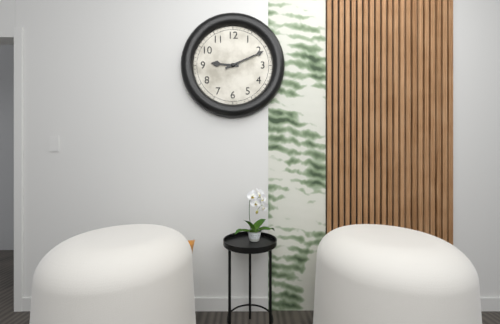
h=9 m=11
